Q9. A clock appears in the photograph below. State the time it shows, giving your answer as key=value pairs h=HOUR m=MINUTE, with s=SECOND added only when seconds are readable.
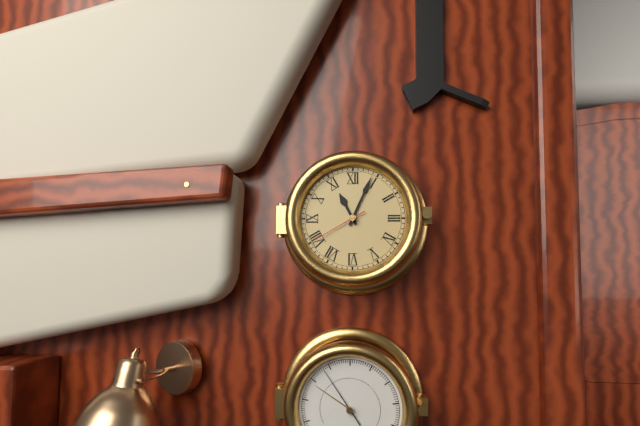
h=11 m=4 s=40
